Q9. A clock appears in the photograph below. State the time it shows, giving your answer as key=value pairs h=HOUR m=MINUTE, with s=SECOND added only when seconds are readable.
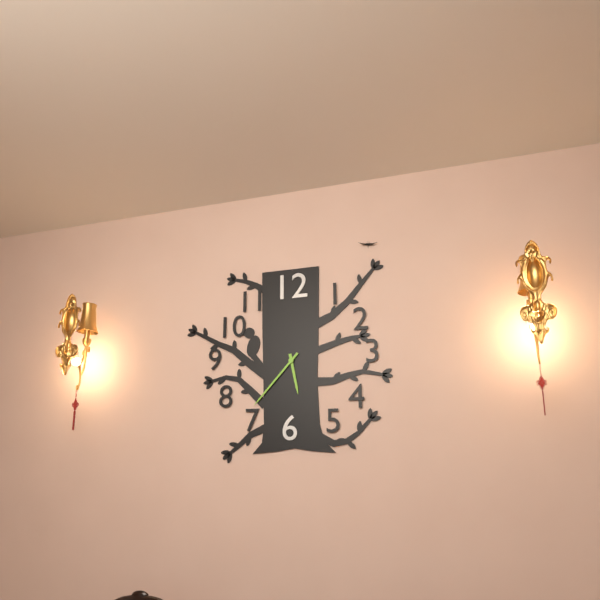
h=5 m=37
